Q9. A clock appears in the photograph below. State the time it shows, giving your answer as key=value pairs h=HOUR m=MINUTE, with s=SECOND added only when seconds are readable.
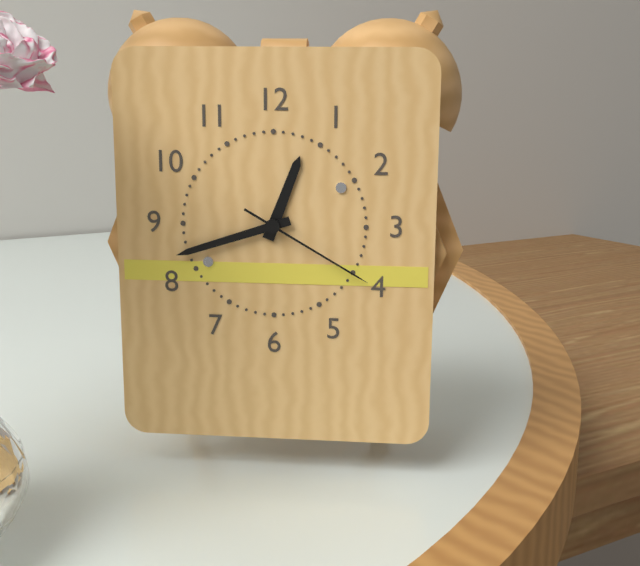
h=12 m=42 s=20
